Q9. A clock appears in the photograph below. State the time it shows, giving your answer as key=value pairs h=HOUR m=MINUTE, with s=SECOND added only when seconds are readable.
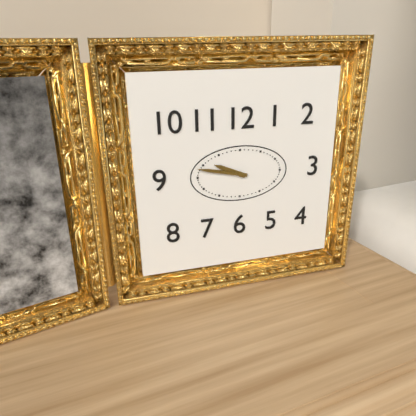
h=9 m=47
